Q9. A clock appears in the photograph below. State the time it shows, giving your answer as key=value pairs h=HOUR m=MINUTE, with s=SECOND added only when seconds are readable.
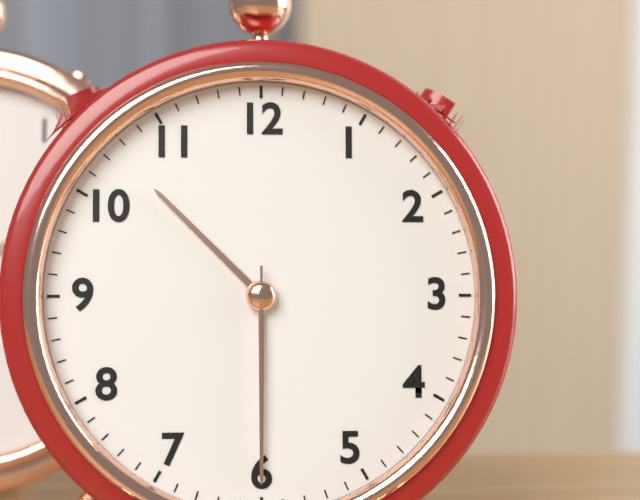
h=10 m=30 s=30
